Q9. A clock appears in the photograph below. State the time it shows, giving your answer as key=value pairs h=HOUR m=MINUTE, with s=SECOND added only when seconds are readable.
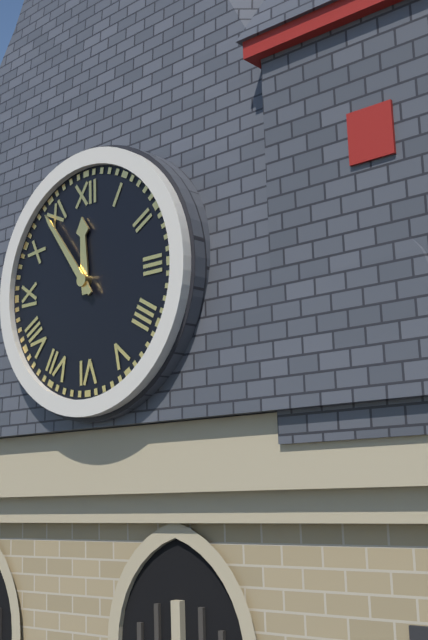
h=11 m=54
